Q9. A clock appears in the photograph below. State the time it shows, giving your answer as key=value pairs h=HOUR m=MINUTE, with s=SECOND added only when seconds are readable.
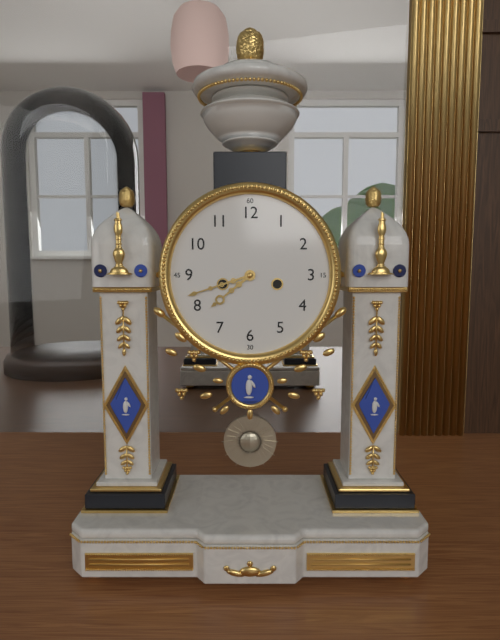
h=7 m=42
